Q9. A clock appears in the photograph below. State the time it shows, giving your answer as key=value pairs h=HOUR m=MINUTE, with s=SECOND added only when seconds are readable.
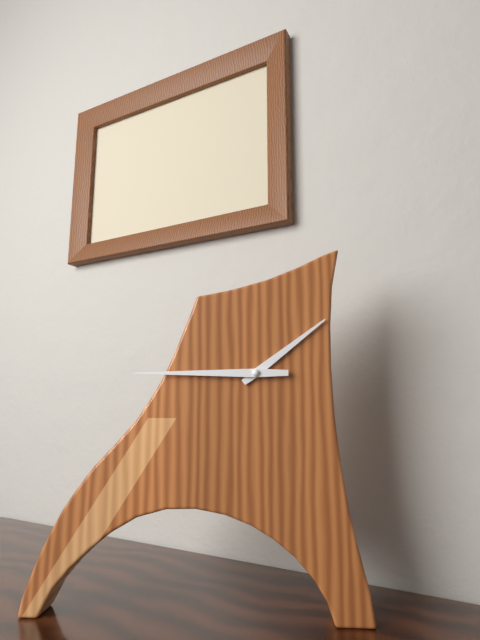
h=1 m=45
